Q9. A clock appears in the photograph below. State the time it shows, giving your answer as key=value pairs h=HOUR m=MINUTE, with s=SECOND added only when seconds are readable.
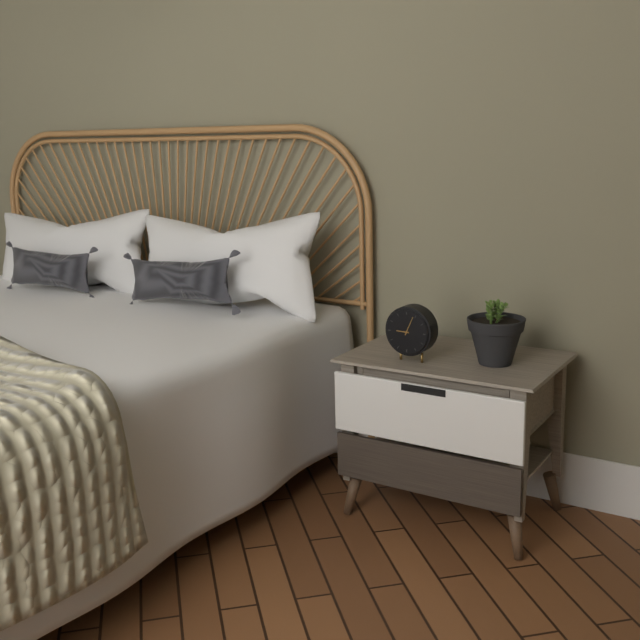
h=9 m=4
